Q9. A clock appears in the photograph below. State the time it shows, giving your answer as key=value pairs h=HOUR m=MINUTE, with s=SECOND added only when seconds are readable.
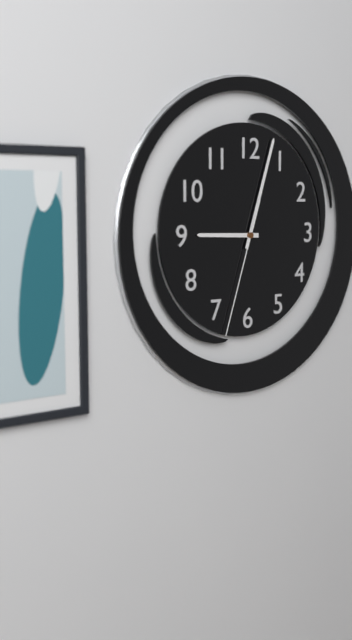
h=9 m=3 s=33
